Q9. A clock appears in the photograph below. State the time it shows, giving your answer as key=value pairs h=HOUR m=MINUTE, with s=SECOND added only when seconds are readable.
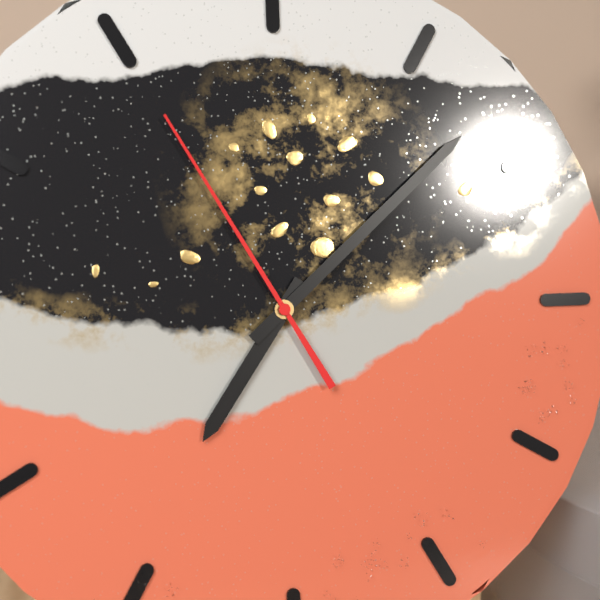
h=7 m=8 s=55
